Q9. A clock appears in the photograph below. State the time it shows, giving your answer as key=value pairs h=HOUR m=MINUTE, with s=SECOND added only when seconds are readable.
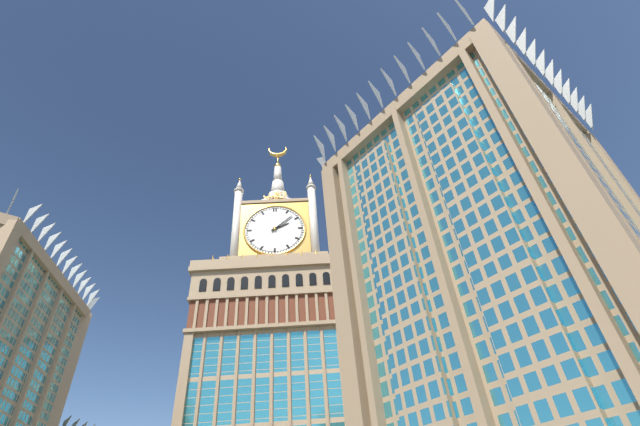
h=2 m=8
